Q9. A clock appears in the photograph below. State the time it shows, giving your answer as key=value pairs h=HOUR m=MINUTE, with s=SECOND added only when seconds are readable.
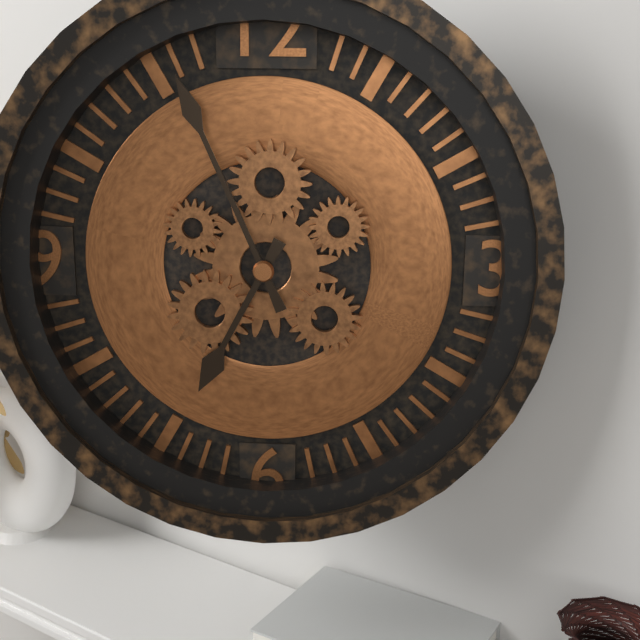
h=6 m=56
